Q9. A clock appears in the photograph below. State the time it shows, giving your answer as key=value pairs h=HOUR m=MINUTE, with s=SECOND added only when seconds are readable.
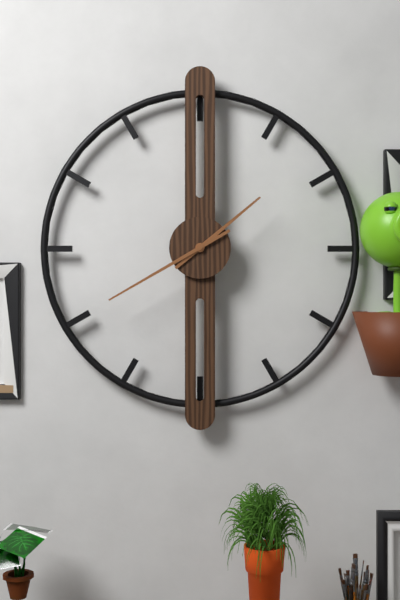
h=1 m=40
